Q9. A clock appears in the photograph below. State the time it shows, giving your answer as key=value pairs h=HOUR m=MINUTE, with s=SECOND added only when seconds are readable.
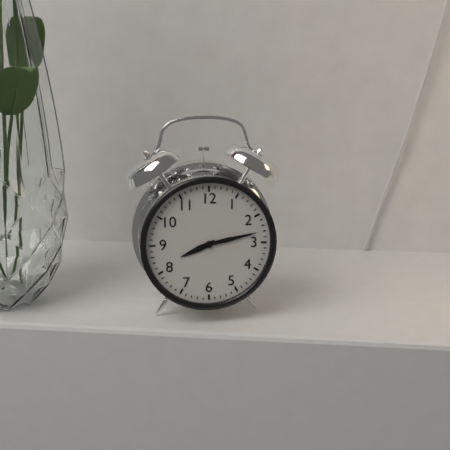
h=8 m=13
